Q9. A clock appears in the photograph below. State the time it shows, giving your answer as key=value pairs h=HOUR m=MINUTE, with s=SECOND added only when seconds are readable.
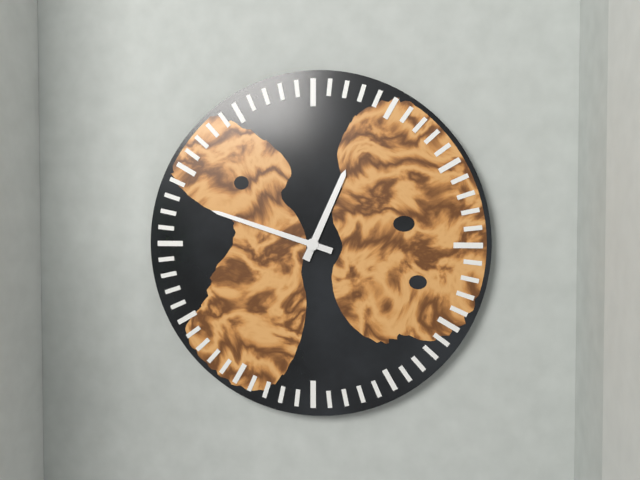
h=12 m=48
